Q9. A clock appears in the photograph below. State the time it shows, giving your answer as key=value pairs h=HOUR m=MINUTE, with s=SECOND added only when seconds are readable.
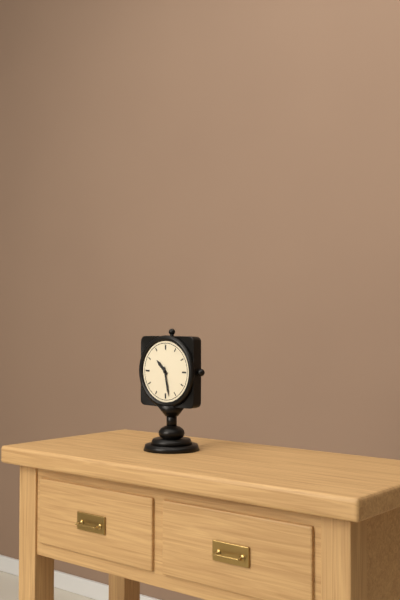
h=10 m=28
